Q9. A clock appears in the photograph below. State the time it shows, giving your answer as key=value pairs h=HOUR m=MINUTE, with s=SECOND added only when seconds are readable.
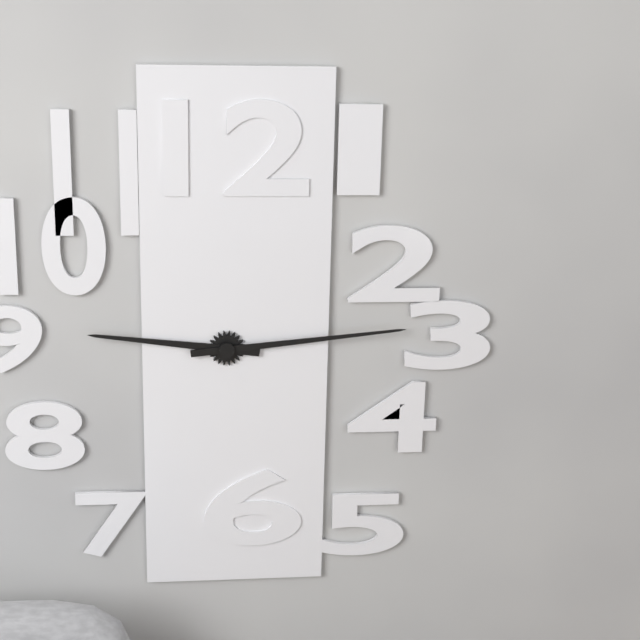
h=9 m=14
